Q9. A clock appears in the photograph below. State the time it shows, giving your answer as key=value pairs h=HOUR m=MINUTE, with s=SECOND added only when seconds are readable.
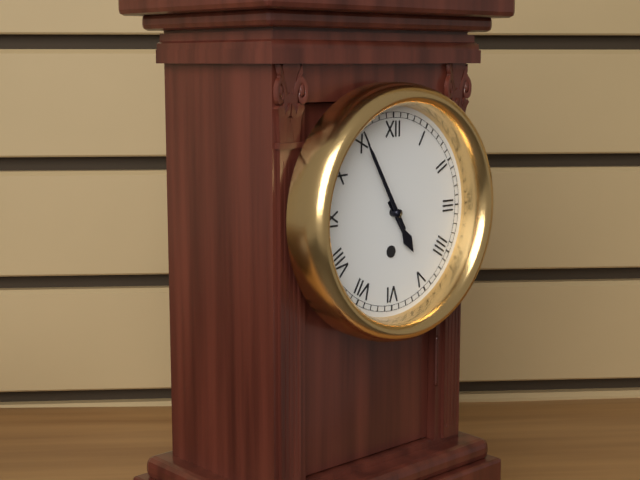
h=4 m=55
